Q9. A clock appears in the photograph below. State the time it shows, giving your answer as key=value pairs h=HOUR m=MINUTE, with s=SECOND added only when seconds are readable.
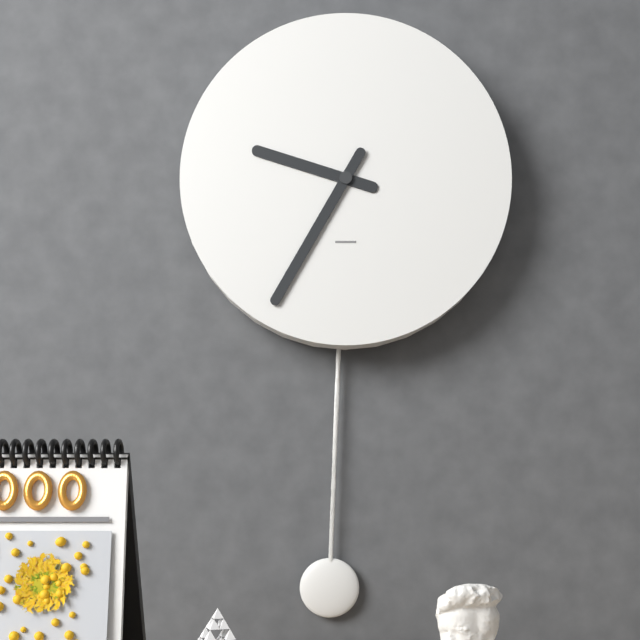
h=9 m=35
